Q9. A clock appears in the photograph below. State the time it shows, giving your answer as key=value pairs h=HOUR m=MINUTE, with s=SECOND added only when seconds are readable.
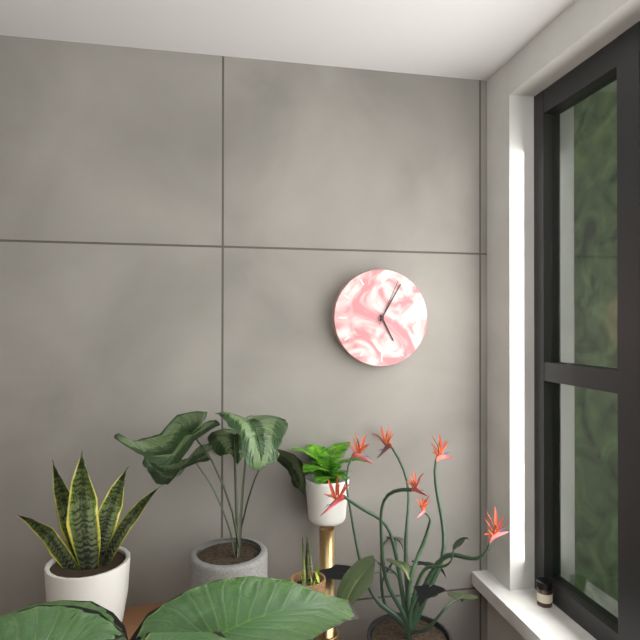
h=5 m=5 s=4
